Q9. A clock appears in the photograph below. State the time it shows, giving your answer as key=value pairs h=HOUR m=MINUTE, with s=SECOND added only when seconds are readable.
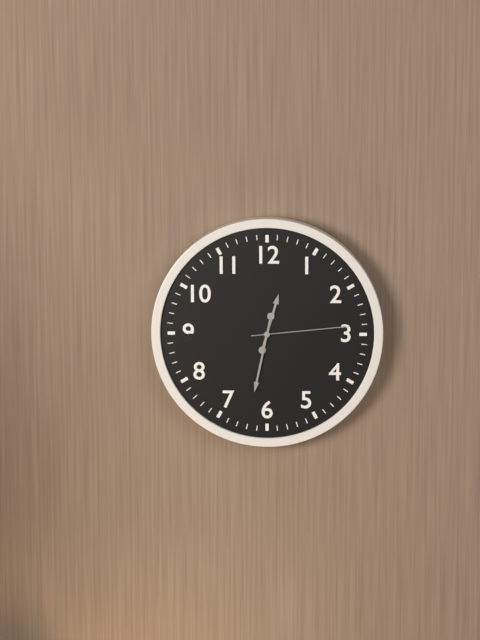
h=12 m=32 s=14
